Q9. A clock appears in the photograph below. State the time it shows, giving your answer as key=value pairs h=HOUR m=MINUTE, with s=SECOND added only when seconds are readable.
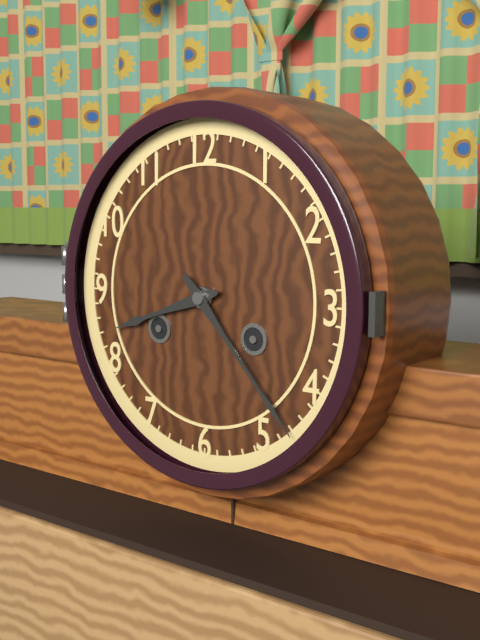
h=8 m=23
